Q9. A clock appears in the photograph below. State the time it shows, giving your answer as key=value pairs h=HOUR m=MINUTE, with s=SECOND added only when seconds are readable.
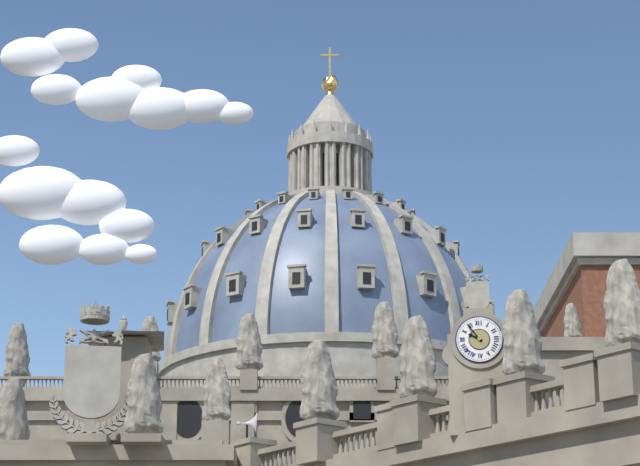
h=9 m=54
